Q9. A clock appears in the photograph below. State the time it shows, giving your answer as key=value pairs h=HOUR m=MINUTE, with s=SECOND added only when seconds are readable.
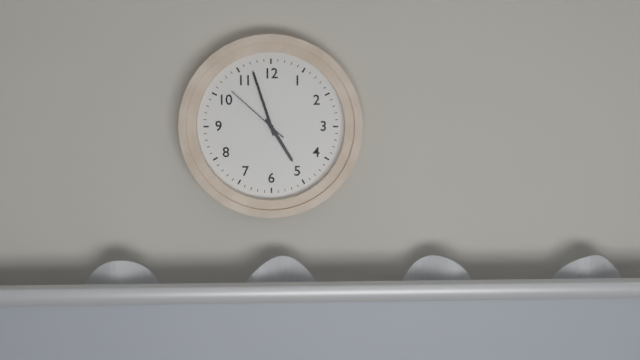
h=4 m=57 s=52
